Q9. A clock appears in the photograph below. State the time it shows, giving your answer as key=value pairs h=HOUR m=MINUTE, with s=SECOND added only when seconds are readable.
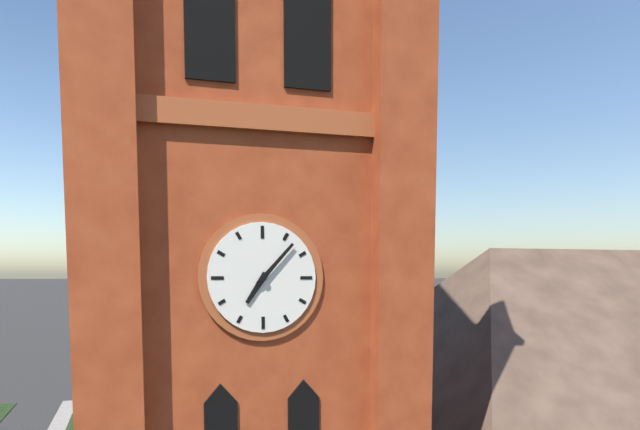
h=7 m=7
